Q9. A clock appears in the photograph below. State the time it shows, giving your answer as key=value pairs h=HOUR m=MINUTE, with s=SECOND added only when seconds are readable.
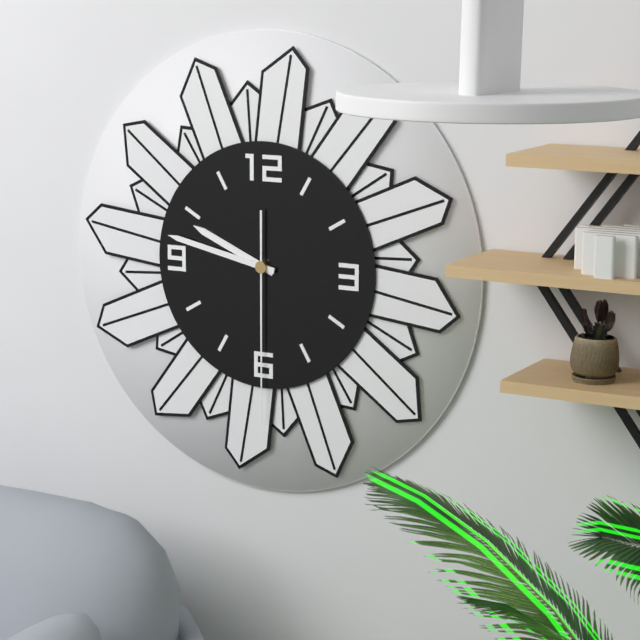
h=9 m=47 s=30
